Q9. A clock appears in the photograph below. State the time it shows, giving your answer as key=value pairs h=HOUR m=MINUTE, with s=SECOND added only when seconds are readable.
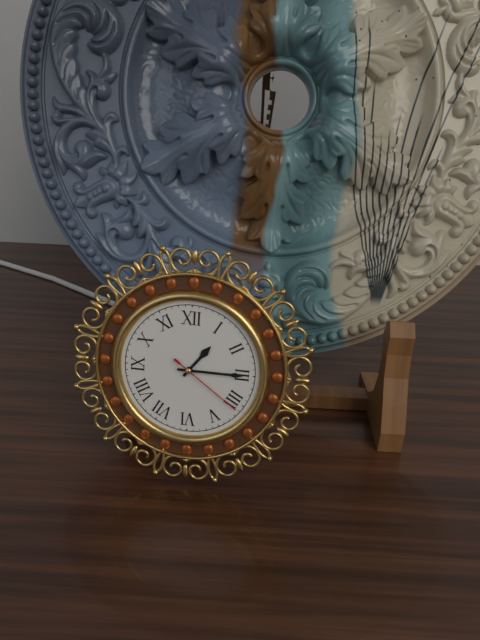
h=1 m=15 s=21
